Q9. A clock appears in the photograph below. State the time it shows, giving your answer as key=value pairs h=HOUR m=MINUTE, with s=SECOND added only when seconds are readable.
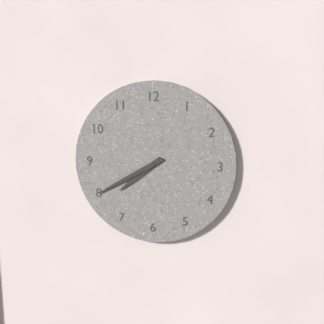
h=7 m=40
